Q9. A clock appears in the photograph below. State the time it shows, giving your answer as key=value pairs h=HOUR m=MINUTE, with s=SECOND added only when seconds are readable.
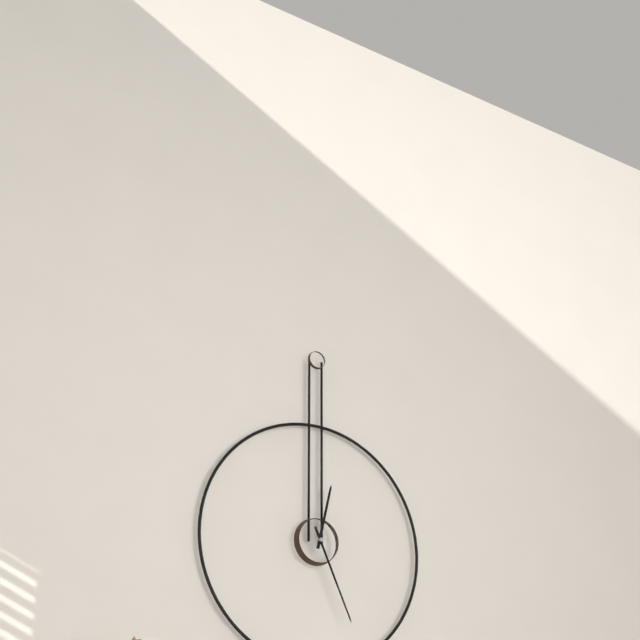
h=12 m=26
